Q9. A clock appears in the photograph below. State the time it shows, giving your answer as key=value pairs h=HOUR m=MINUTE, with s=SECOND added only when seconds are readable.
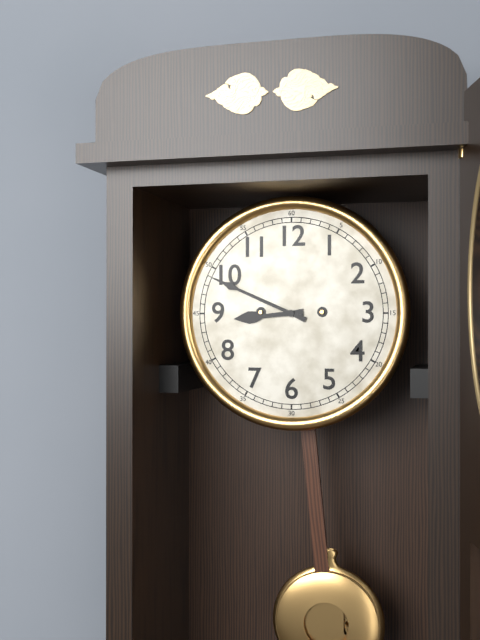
h=8 m=49
